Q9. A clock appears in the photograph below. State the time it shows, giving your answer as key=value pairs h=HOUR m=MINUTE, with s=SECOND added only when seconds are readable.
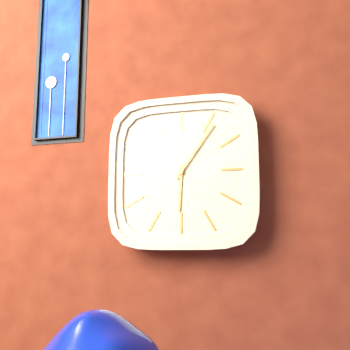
h=6 m=6
